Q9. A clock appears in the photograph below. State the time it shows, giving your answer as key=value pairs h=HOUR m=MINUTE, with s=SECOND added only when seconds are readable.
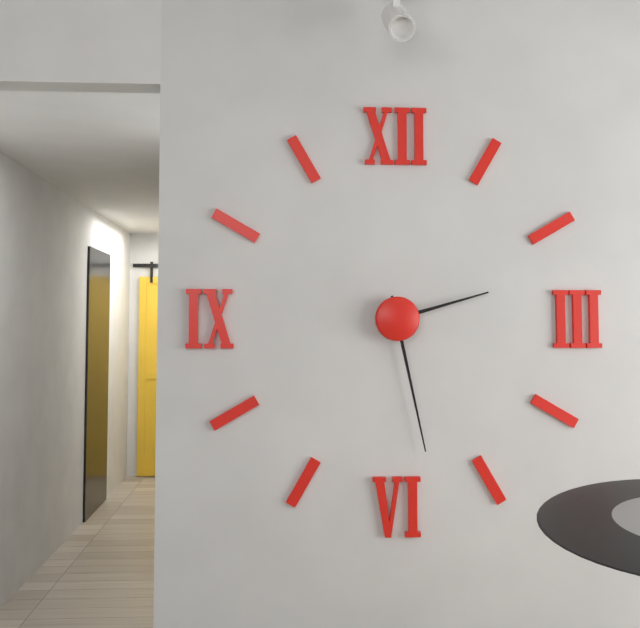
h=2 m=28
